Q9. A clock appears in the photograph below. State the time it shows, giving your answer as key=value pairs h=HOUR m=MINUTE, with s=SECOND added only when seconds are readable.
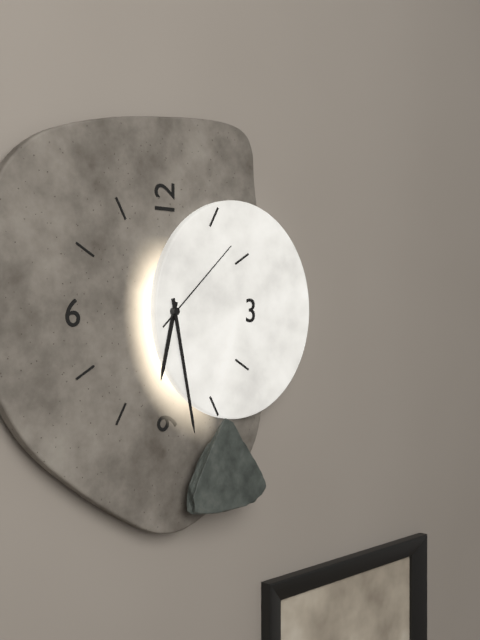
h=6 m=28 s=8
